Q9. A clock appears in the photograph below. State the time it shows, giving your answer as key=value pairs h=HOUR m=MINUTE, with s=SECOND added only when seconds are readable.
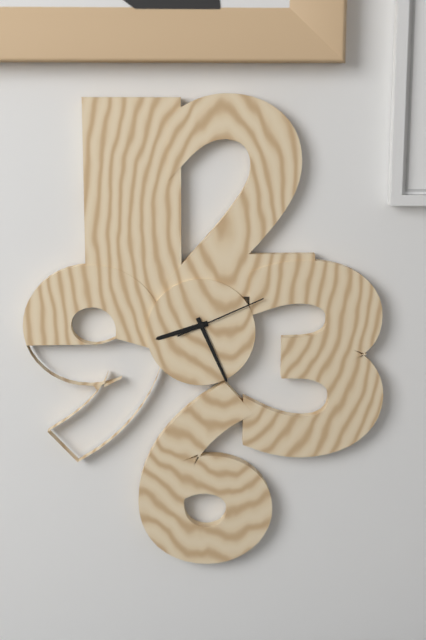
h=8 m=26 s=11
